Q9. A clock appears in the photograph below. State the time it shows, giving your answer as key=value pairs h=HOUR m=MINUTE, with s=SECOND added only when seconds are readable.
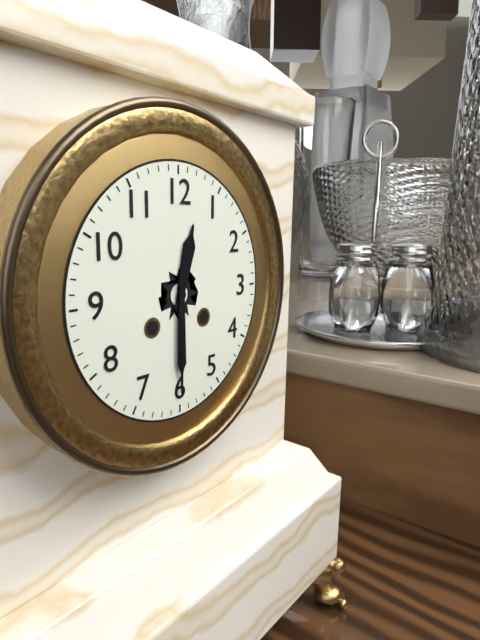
h=12 m=30
